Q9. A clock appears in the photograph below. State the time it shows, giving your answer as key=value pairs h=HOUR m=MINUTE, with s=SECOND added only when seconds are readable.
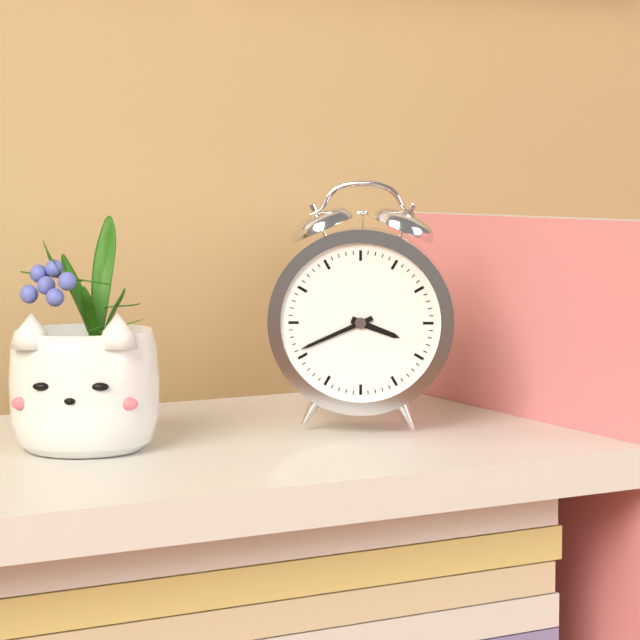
h=3 m=41
